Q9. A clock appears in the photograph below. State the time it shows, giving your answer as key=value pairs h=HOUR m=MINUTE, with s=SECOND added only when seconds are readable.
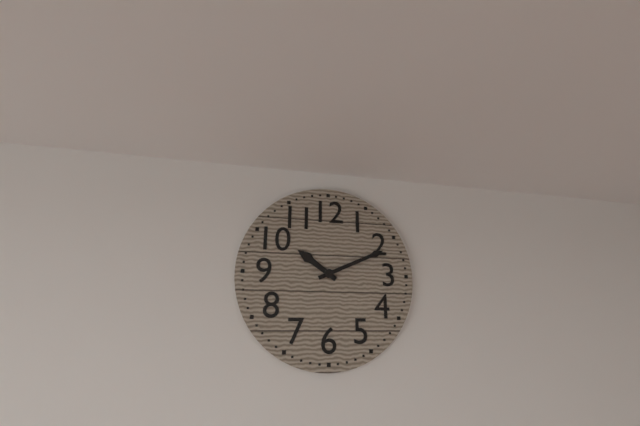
h=10 m=11
